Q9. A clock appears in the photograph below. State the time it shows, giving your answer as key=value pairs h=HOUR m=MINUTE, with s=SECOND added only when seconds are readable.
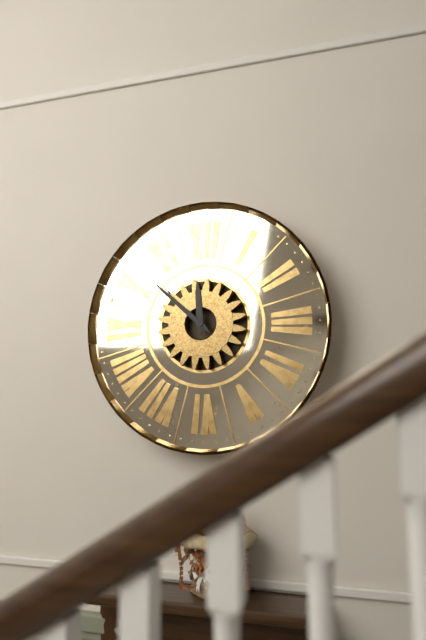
h=11 m=52
